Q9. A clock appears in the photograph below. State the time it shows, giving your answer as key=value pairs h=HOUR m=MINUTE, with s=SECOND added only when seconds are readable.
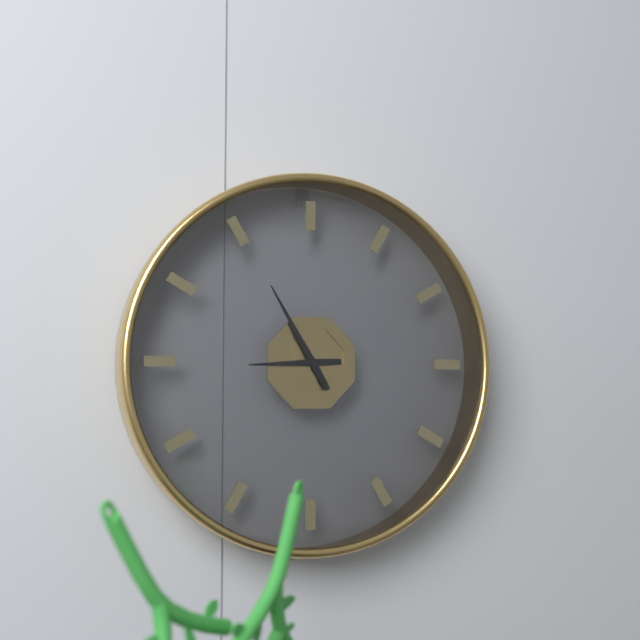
h=8 m=55
